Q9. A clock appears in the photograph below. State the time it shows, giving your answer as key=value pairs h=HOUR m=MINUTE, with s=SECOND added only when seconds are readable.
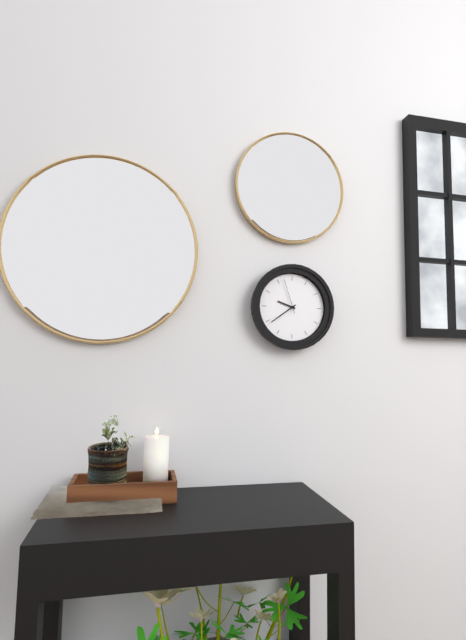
h=9 m=39
